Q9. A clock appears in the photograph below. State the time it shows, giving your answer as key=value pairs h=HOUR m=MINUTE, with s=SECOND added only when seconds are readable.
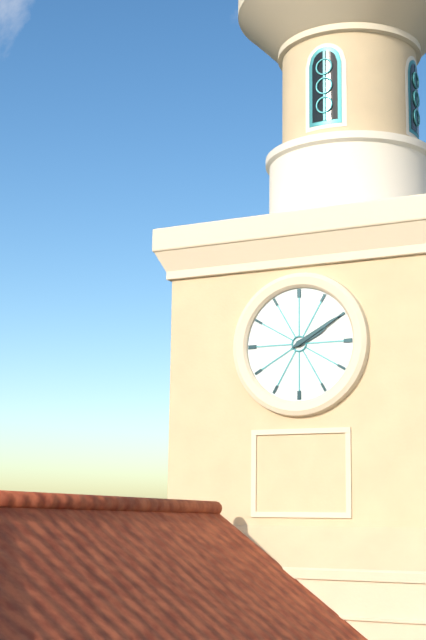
h=2 m=10
